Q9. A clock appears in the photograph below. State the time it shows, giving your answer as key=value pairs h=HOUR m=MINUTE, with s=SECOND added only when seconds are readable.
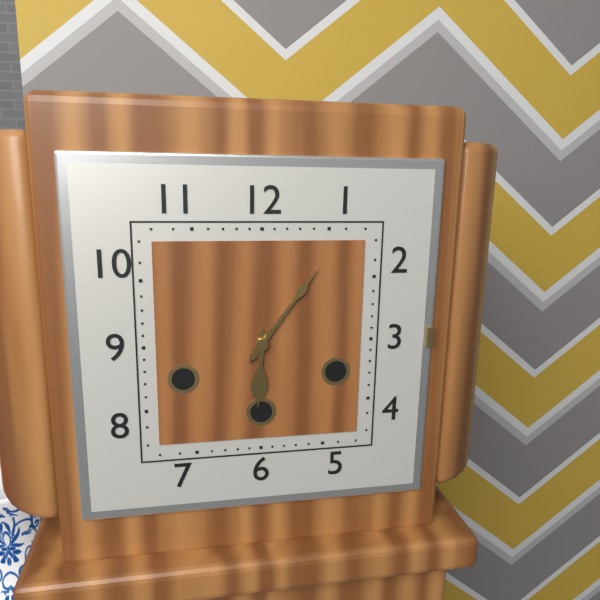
h=6 m=6
